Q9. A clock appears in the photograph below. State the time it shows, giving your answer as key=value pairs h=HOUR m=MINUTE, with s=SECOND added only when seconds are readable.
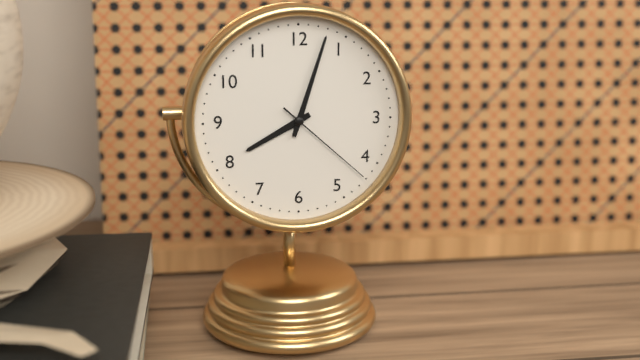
h=8 m=3 s=22
